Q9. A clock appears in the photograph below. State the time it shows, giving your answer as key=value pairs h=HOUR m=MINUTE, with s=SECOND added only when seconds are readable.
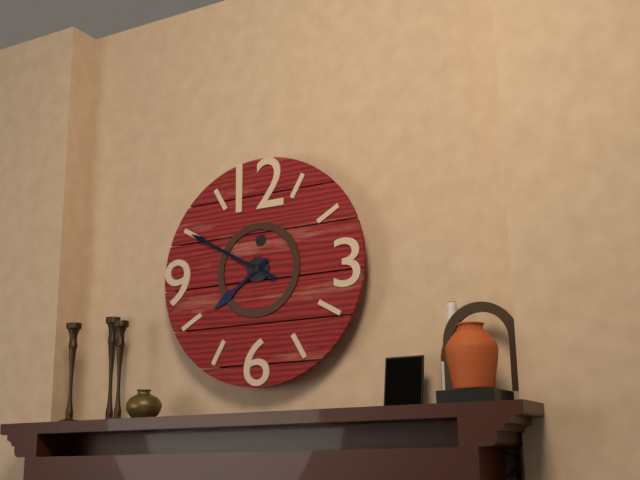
h=7 m=50
